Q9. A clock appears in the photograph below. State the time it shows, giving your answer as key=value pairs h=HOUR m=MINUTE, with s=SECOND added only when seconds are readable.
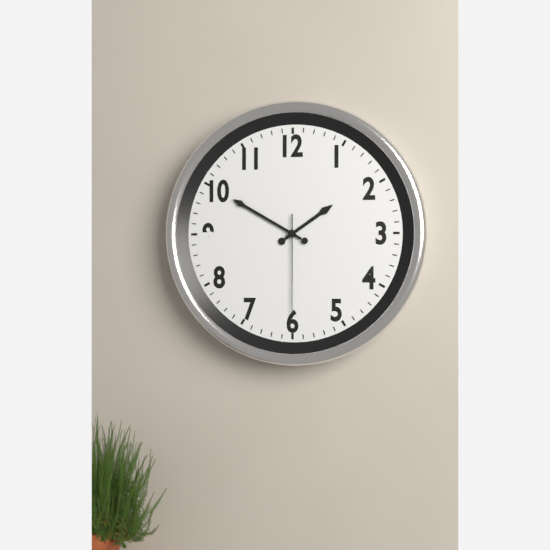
h=1 m=50 s=30
